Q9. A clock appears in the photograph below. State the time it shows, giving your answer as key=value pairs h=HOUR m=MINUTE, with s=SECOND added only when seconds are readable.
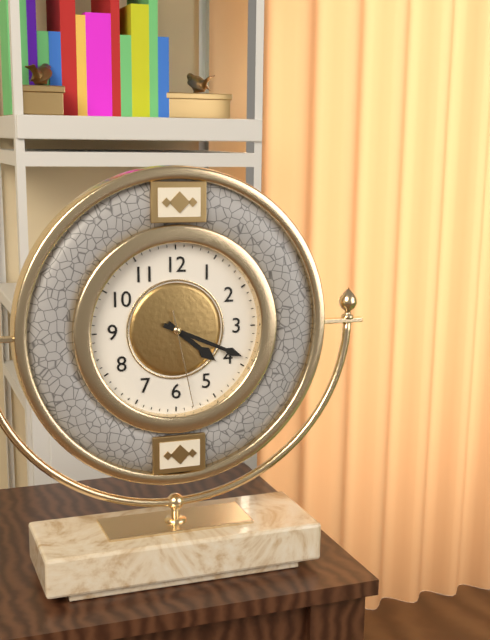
h=4 m=19 s=28
